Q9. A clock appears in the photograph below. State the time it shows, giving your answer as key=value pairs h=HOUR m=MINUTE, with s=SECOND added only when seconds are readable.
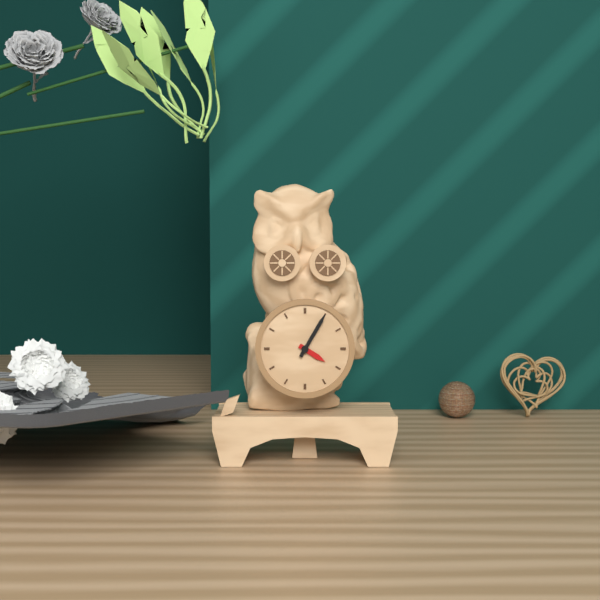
h=4 m=5
